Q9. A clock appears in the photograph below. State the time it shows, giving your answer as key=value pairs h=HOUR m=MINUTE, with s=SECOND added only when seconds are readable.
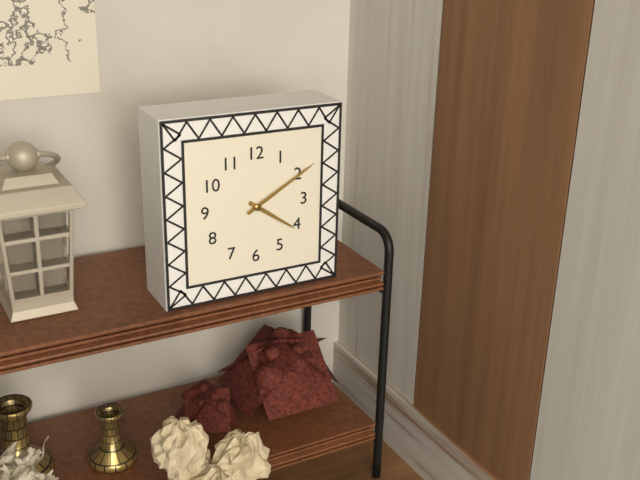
h=4 m=10
